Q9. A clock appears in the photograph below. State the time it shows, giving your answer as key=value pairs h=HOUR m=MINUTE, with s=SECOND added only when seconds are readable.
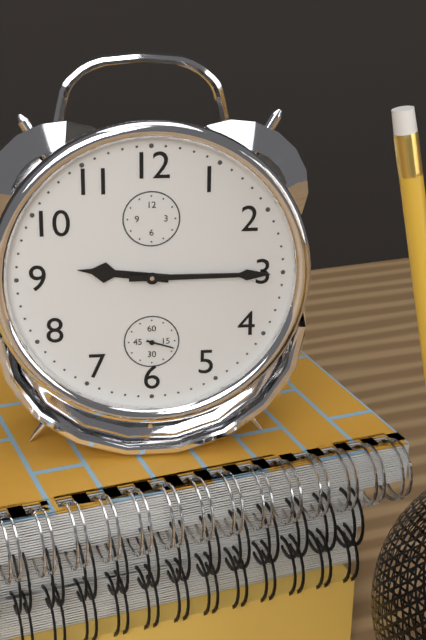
h=9 m=15
